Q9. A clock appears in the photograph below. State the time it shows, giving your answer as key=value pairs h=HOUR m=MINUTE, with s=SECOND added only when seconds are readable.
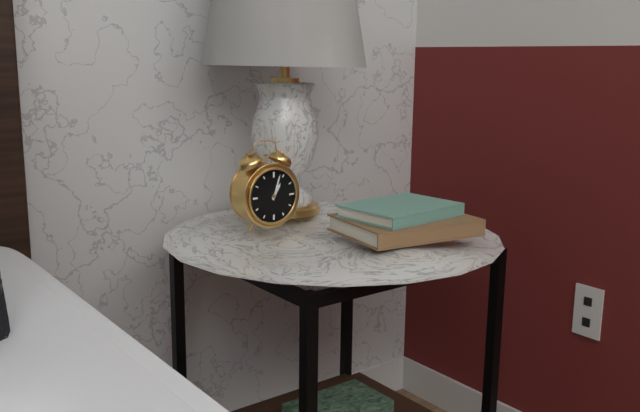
h=1 m=3
